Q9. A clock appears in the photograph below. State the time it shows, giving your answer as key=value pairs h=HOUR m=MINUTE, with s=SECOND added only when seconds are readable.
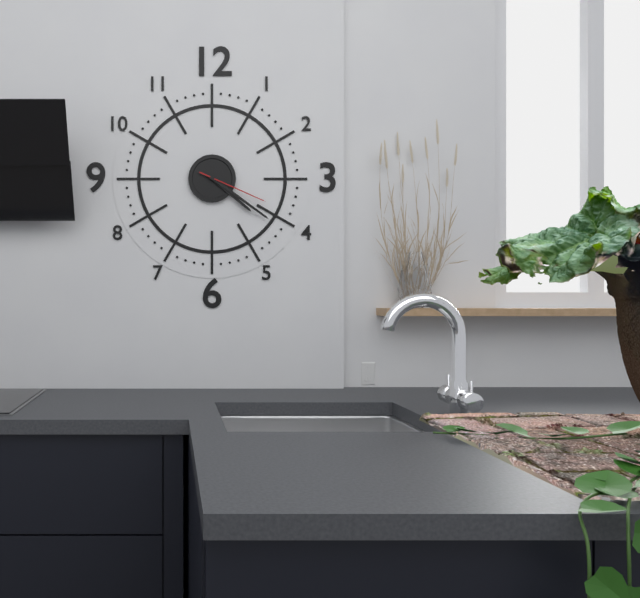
h=4 m=21 s=19
